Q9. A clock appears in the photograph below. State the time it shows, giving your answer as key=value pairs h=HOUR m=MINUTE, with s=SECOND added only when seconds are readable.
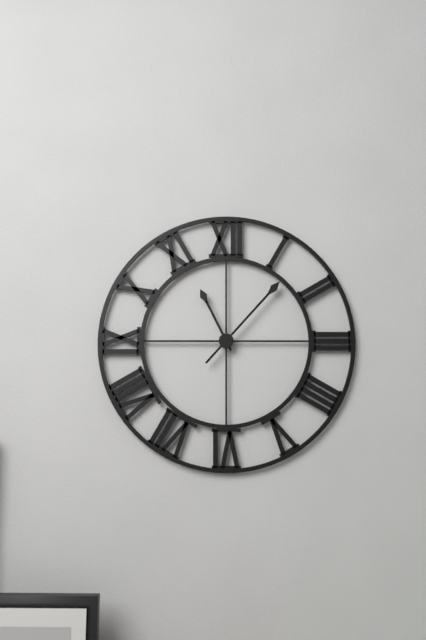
h=11 m=7
